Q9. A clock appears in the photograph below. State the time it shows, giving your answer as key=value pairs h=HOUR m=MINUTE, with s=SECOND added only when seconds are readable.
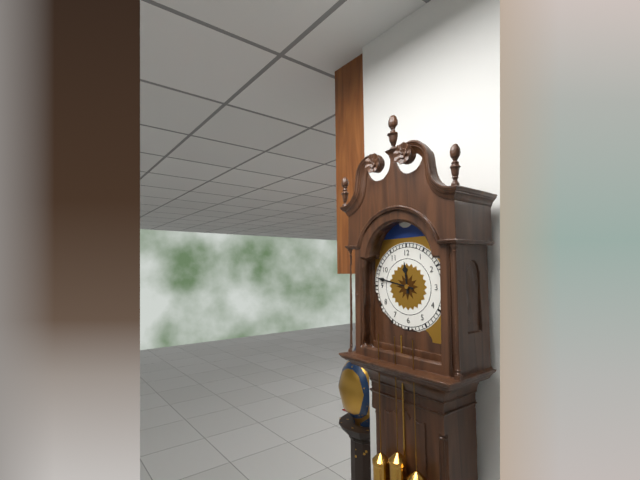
h=11 m=47
